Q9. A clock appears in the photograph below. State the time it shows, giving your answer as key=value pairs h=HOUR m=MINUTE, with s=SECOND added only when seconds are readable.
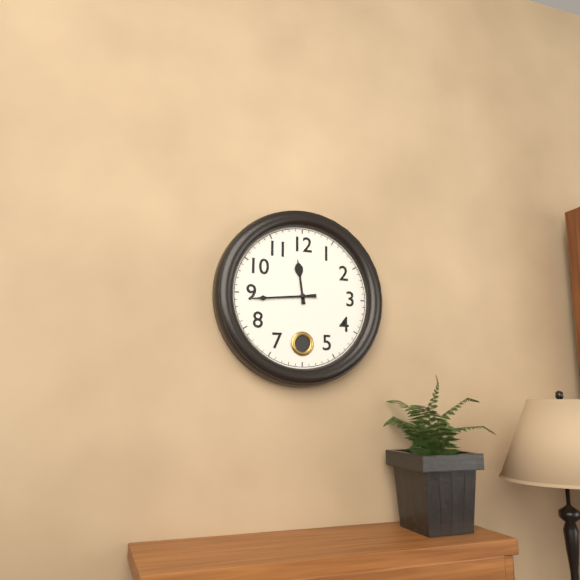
h=11 m=44
